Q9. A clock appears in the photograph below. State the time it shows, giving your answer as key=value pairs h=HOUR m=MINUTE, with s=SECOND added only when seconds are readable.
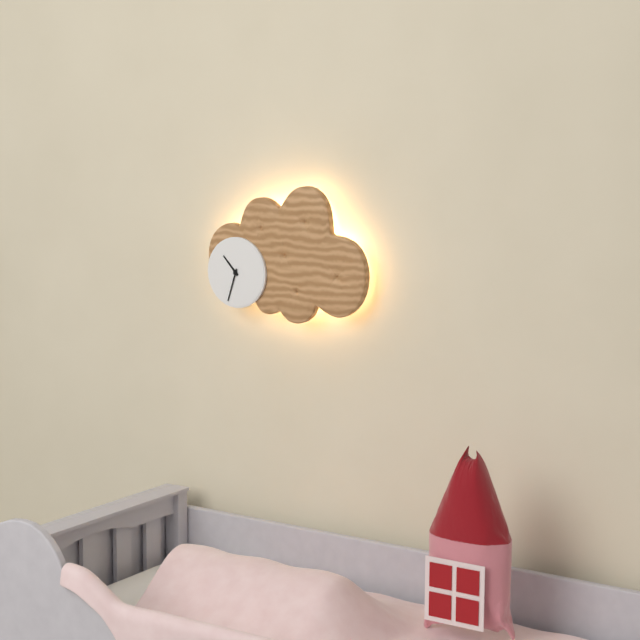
h=10 m=33
